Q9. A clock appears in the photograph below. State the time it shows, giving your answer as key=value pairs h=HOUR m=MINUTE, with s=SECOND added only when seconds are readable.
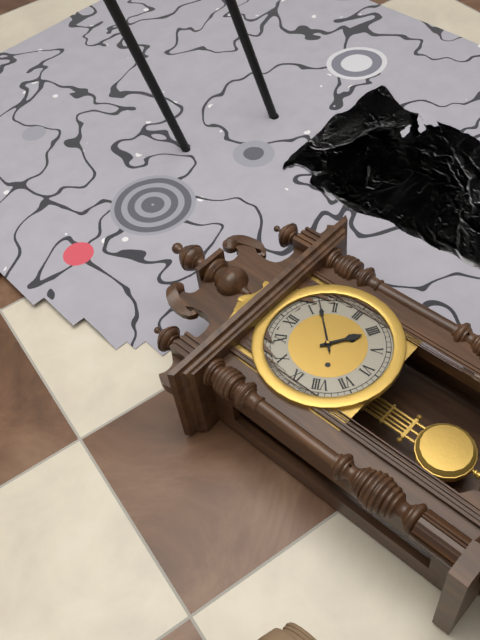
h=4 m=7
